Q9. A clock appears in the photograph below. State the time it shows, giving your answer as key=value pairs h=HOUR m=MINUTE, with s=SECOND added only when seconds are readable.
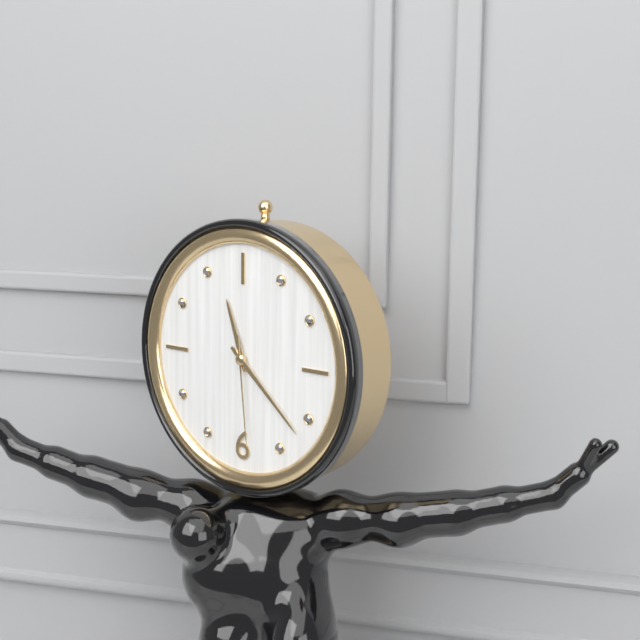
h=11 m=22 s=29
